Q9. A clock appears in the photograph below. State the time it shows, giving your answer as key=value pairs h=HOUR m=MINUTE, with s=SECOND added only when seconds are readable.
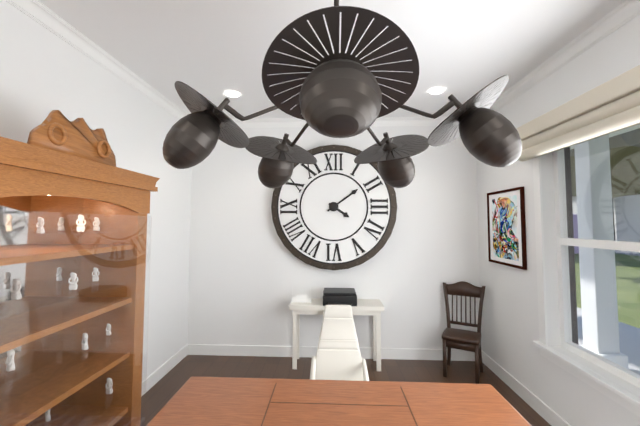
h=4 m=9
